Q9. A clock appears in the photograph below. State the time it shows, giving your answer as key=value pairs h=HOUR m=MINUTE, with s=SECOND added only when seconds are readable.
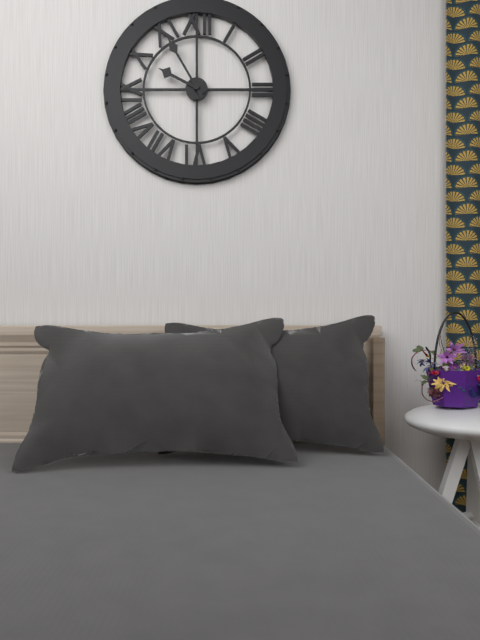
h=9 m=55
